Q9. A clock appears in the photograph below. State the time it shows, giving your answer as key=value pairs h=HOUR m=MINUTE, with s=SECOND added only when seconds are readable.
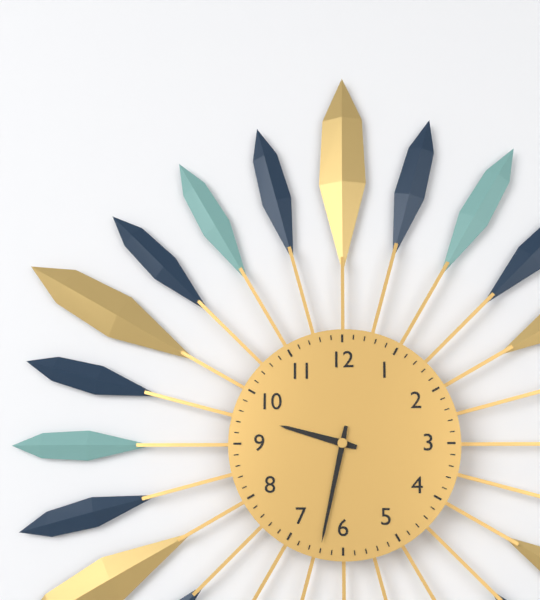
h=9 m=32
